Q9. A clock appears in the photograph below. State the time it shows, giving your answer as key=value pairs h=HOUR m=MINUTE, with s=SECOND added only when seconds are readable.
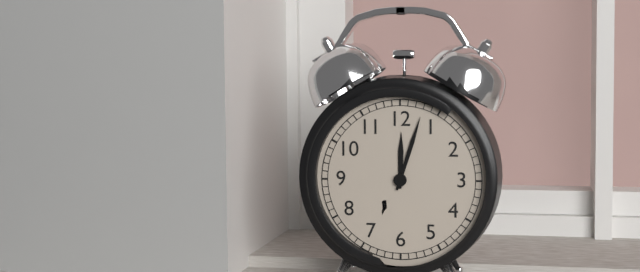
h=12 m=3
